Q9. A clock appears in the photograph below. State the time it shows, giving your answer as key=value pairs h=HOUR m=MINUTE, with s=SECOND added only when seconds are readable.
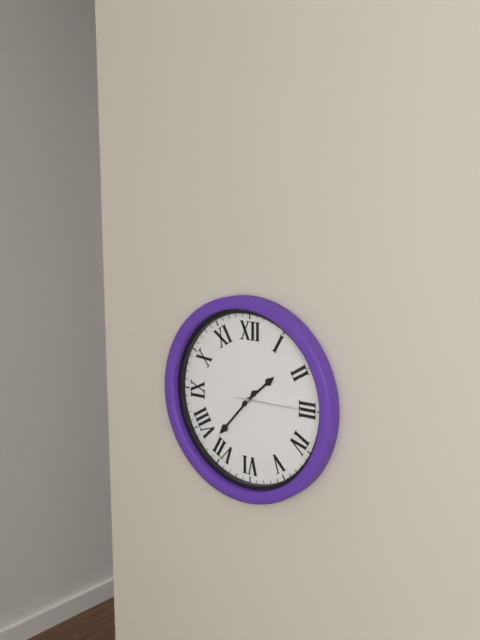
h=1 m=37 s=15
